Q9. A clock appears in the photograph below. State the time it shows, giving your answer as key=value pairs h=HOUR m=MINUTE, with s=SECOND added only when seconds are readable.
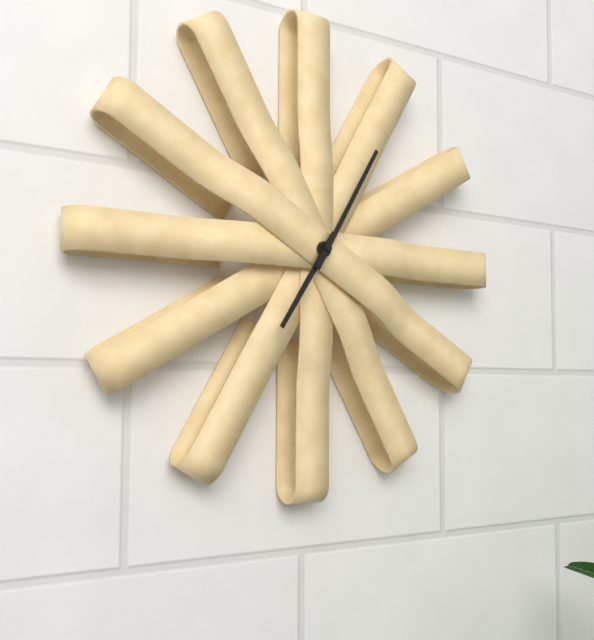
h=7 m=5
